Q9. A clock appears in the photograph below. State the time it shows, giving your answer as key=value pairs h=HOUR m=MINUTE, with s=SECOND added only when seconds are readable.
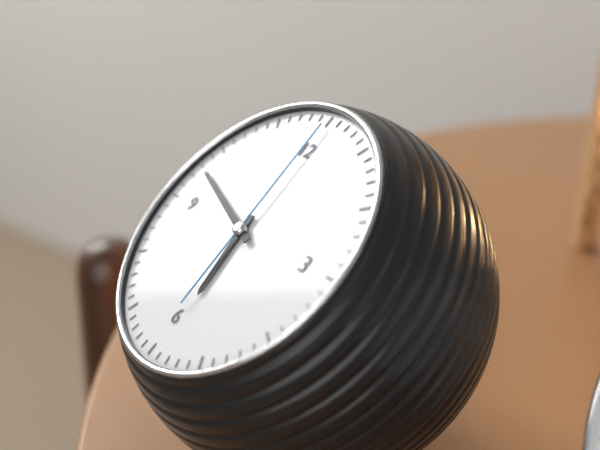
h=5 m=48 s=0
